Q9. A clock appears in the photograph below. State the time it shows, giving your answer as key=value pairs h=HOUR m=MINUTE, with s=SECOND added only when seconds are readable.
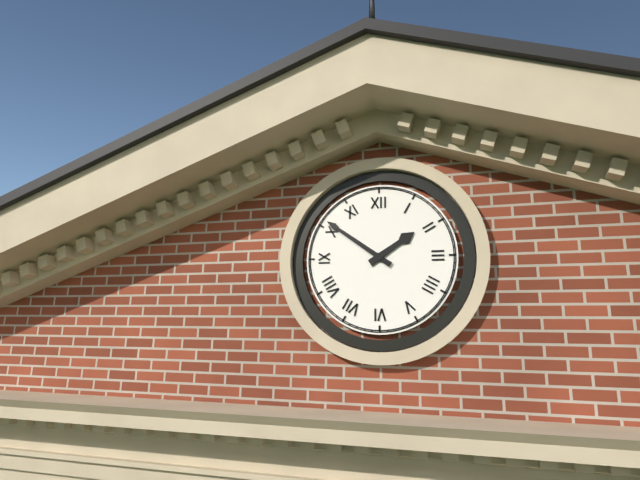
h=1 m=51
